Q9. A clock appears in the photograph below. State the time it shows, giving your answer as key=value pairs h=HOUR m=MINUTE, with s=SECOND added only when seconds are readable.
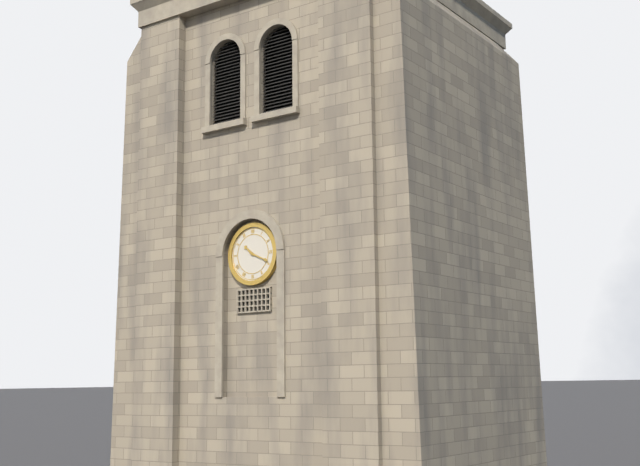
h=10 m=19
